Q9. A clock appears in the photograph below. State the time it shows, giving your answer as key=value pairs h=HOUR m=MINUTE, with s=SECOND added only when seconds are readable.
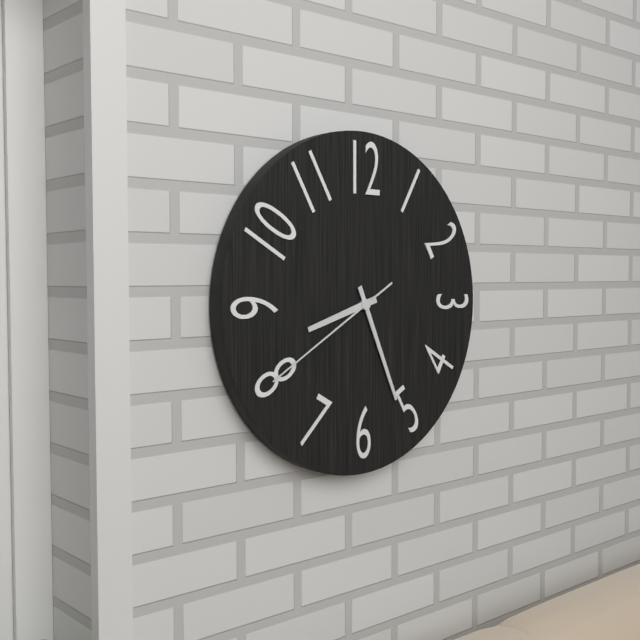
h=8 m=26 s=40
